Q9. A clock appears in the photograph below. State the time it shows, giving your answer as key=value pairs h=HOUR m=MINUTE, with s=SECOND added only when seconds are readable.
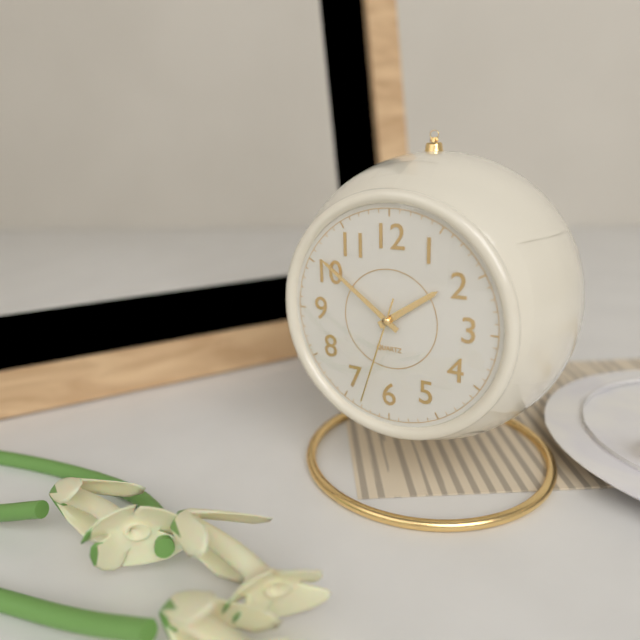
h=1 m=51 s=33
